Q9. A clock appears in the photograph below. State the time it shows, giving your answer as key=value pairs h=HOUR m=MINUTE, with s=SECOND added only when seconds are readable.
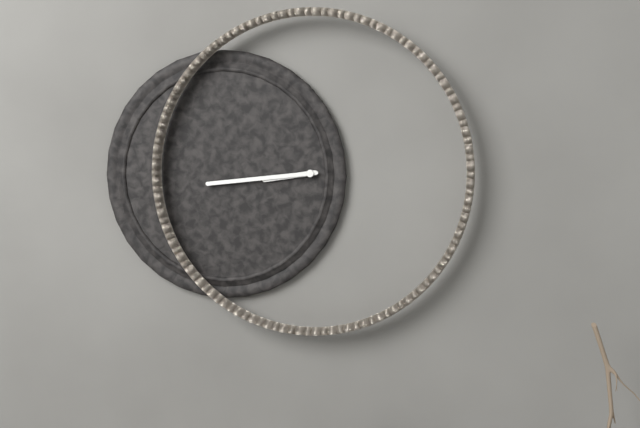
h=8 m=44
